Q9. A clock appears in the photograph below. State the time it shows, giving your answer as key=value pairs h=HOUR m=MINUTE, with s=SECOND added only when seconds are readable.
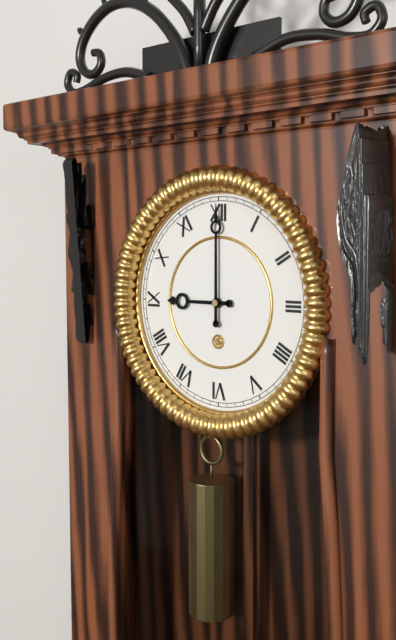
h=9 m=0
